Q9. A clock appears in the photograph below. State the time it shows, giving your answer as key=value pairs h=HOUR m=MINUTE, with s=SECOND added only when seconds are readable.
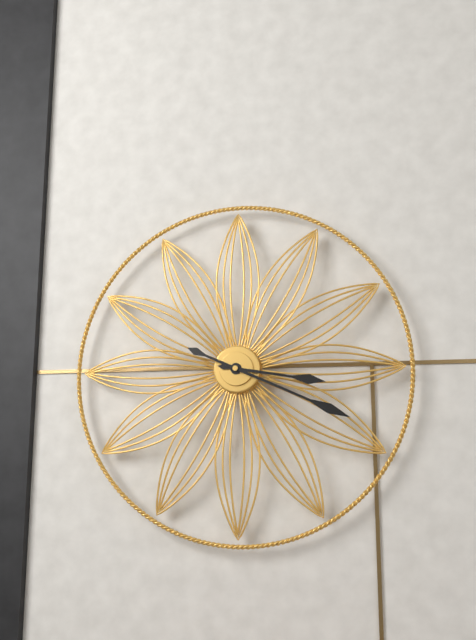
h=3 m=19
